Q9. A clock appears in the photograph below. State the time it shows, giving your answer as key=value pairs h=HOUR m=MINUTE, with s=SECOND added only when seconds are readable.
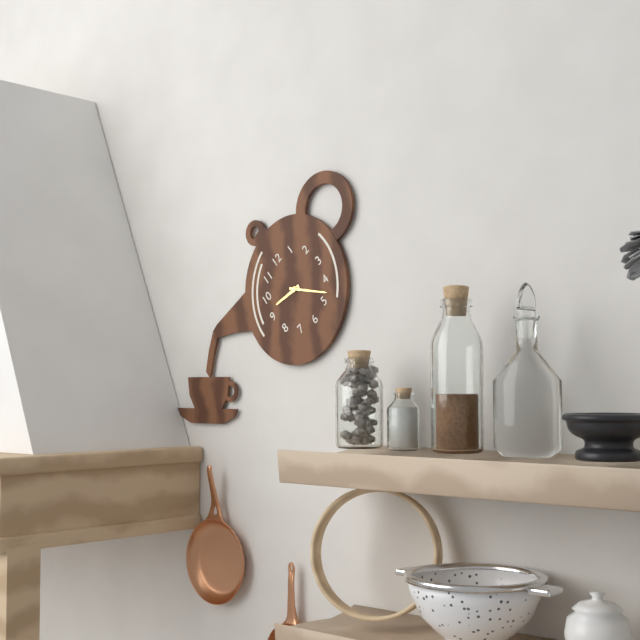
h=9 m=23
